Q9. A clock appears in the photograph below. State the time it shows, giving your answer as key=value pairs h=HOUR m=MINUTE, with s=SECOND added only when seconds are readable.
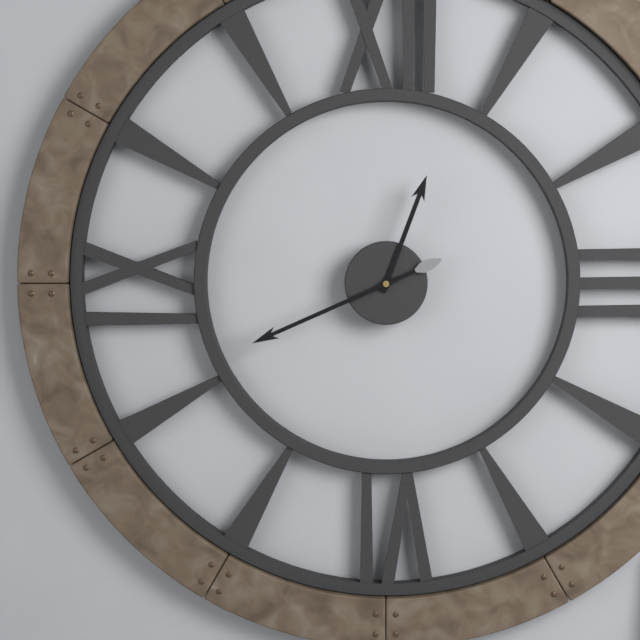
h=12 m=41
